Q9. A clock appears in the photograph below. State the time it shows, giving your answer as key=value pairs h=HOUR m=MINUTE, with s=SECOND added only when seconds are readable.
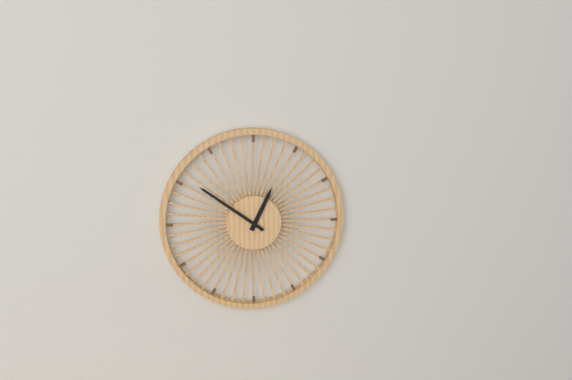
h=12 m=51
